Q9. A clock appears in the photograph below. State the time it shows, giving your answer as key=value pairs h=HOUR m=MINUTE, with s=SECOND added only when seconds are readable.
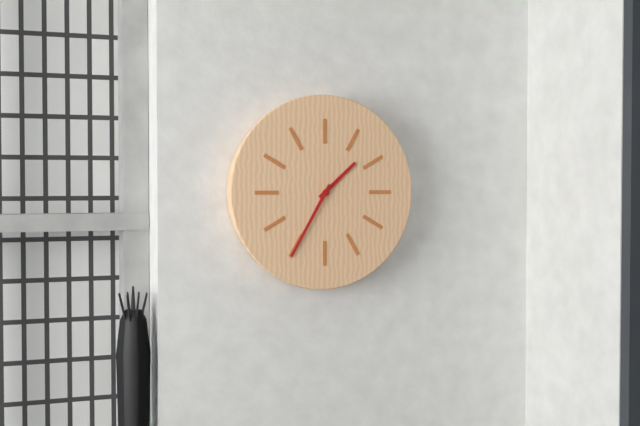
h=1 m=35
